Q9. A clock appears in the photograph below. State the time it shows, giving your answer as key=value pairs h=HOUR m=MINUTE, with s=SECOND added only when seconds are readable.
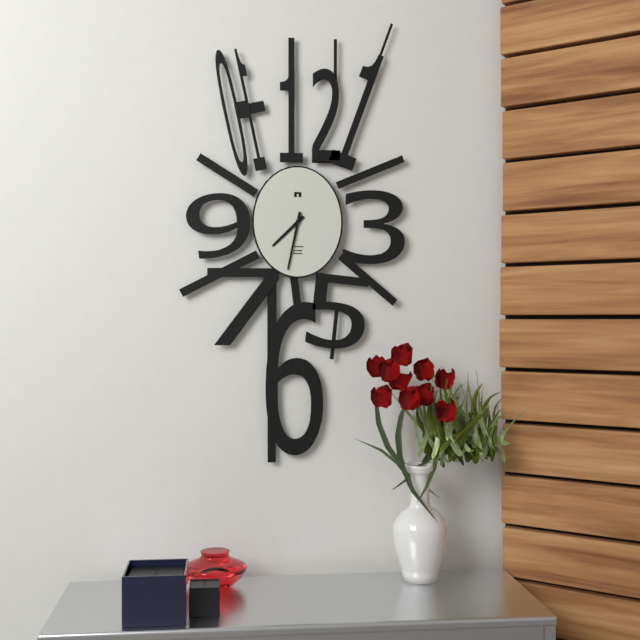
h=7 m=32
